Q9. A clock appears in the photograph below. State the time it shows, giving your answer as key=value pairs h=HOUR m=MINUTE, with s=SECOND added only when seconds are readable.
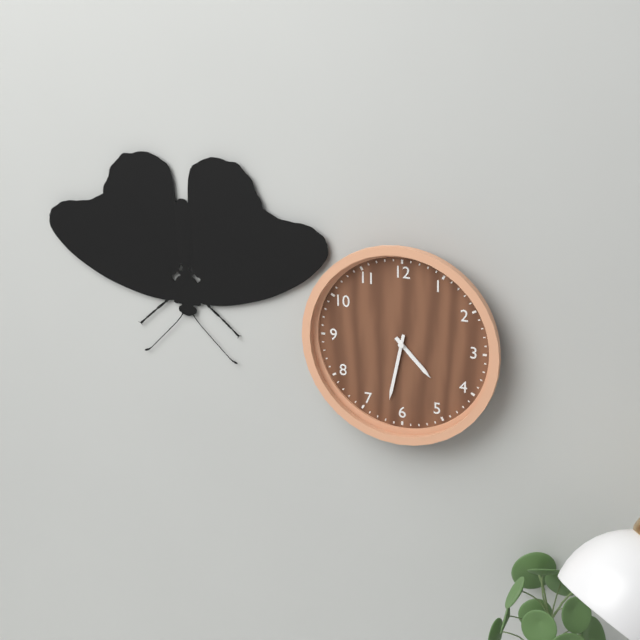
h=4 m=32
